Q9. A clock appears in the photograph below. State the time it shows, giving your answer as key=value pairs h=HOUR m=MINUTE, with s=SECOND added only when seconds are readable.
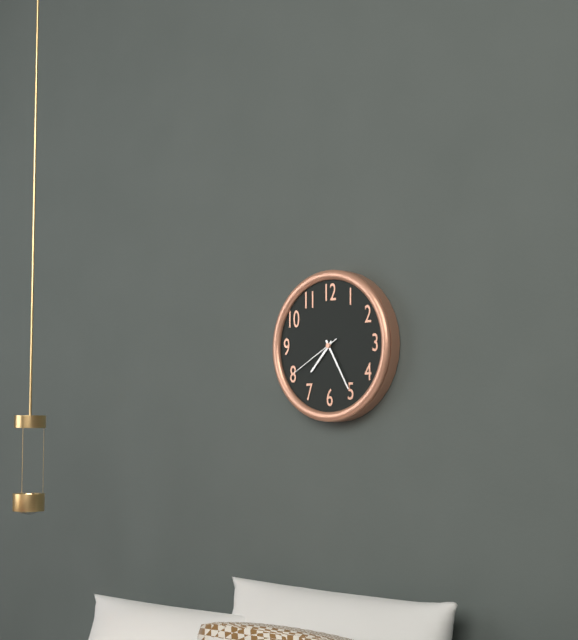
h=7 m=25 s=40
